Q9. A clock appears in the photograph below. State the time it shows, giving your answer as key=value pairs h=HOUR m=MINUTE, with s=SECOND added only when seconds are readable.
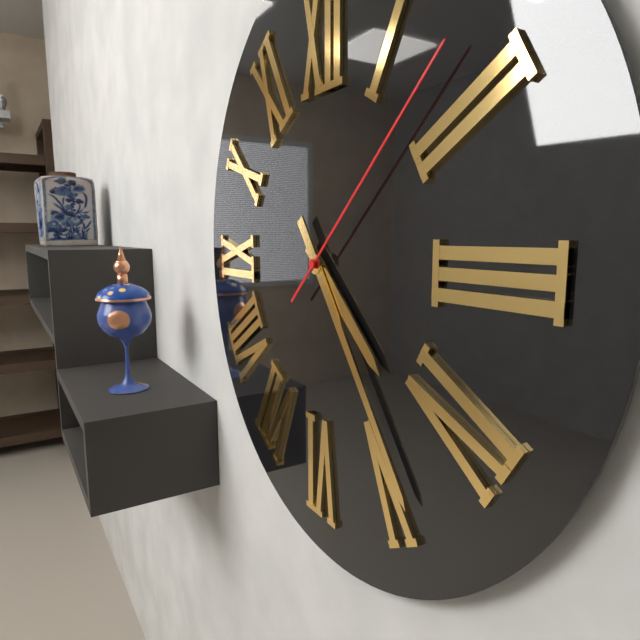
h=4 m=24 s=8
